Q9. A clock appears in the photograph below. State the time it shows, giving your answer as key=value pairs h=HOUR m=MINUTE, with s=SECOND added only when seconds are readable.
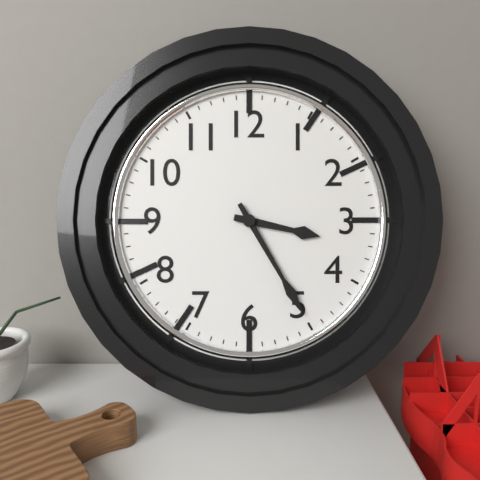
h=3 m=25
